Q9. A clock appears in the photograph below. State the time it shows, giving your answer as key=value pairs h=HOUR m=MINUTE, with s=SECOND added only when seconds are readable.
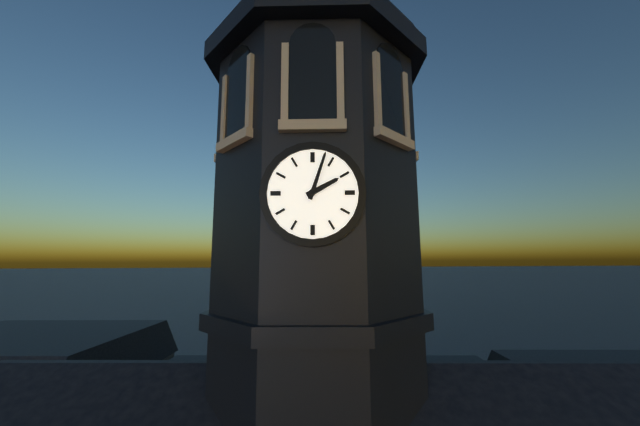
h=2 m=3
